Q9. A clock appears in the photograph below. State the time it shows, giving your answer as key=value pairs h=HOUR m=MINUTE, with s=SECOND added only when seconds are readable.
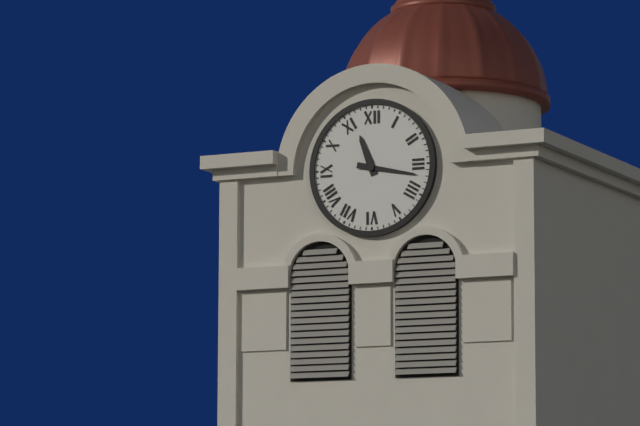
h=11 m=17
